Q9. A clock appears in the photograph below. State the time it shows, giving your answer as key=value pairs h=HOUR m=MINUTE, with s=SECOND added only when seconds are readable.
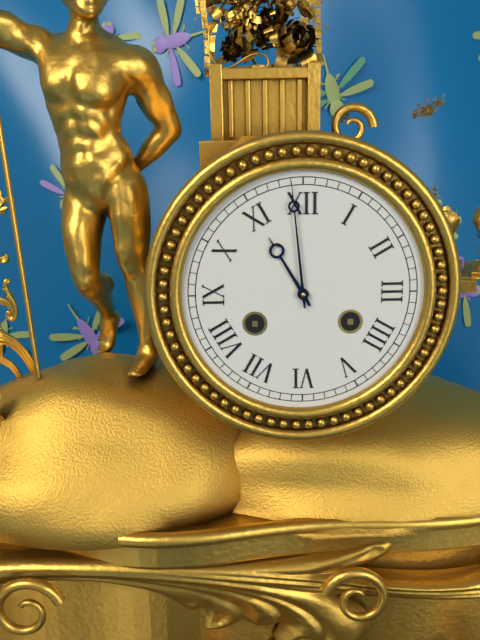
h=10 m=59
